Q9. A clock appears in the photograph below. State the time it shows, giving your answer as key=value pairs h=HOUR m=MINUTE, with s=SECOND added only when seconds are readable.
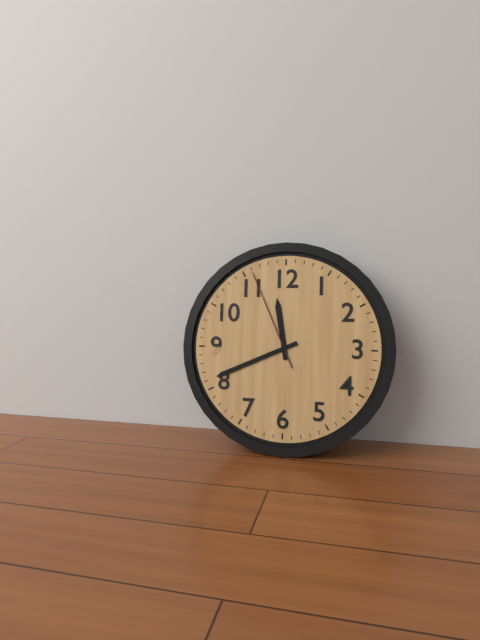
h=11 m=41 s=56
